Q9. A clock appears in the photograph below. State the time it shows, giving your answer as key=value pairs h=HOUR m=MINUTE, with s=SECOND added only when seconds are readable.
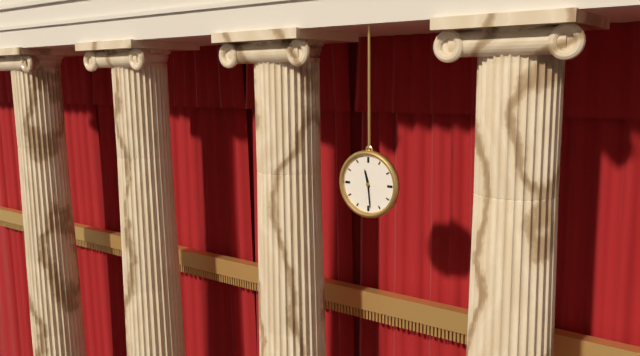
h=11 m=29
